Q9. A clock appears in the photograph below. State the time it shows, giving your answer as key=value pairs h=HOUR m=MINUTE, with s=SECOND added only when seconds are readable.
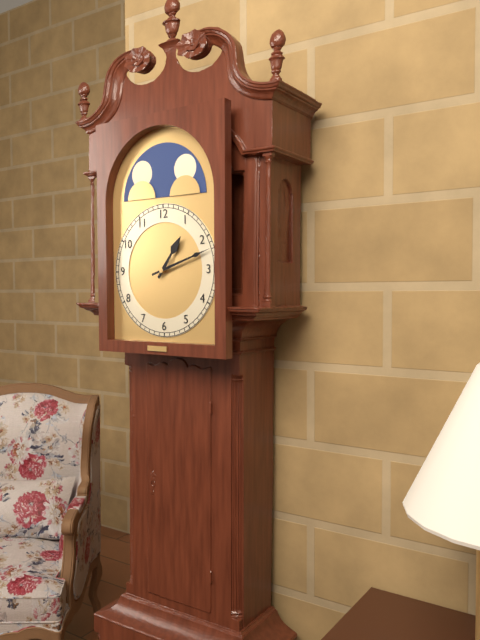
h=1 m=12
